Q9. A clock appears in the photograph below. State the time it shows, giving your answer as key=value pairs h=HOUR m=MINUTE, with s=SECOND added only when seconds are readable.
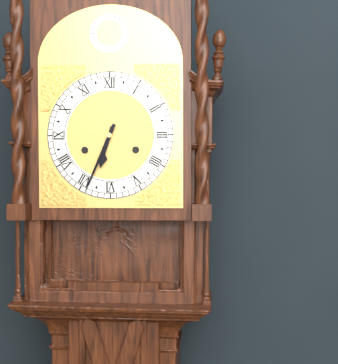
h=6 m=34
